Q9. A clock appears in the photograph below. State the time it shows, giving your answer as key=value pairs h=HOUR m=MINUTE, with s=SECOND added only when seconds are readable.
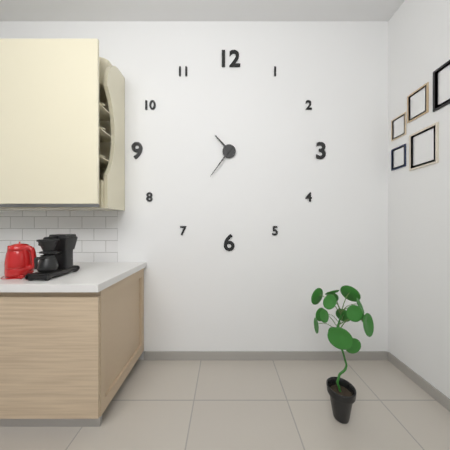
h=10 m=36
